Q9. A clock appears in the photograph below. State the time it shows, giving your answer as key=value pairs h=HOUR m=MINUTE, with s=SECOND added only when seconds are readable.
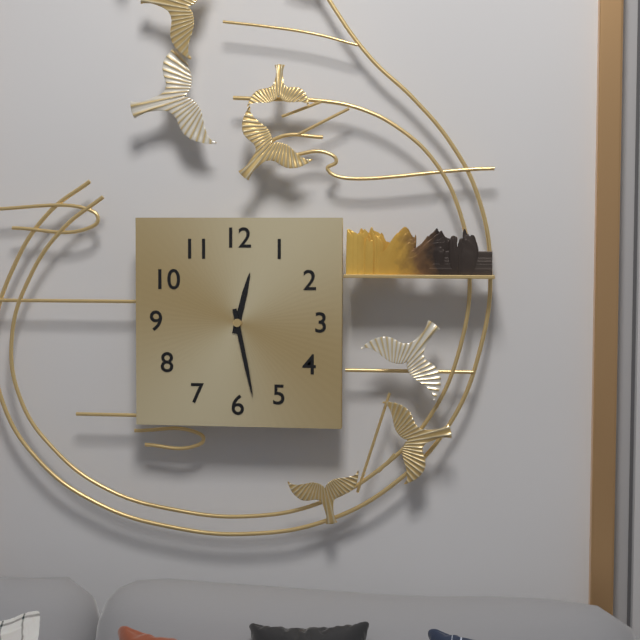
h=12 m=28
